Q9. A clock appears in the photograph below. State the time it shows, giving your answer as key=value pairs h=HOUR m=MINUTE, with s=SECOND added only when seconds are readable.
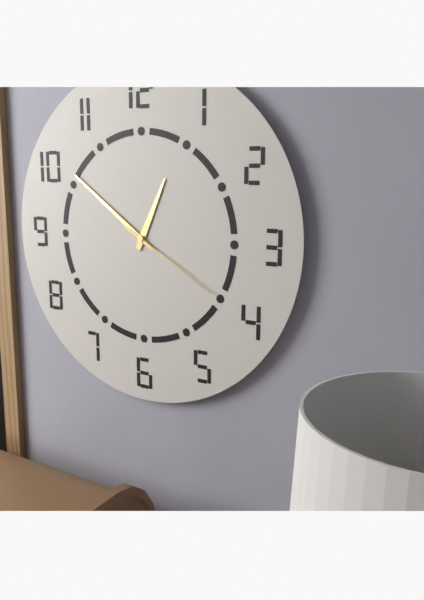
h=12 m=51 s=20
